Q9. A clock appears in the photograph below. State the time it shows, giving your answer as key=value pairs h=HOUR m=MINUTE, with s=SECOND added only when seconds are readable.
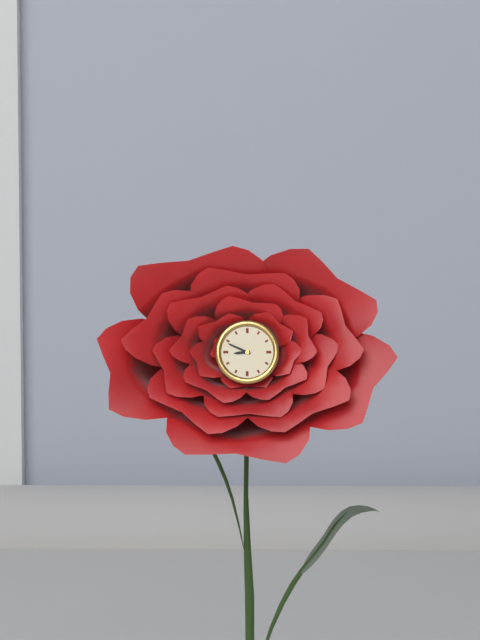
h=8 m=49
